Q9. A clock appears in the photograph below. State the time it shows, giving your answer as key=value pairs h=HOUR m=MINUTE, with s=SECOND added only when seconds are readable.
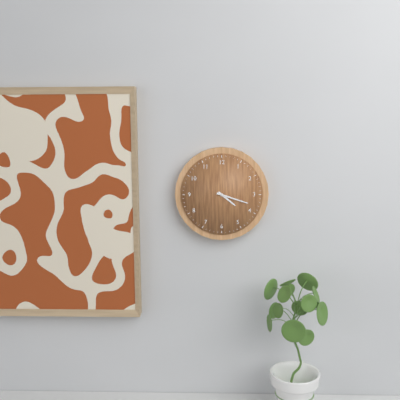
h=4 m=18
